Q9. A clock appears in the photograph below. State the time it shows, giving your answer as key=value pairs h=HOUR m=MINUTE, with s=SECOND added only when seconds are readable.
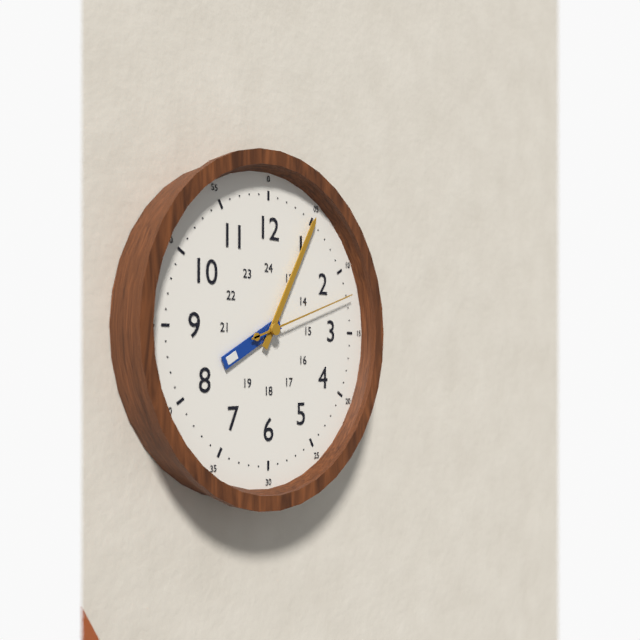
h=8 m=5 s=12
